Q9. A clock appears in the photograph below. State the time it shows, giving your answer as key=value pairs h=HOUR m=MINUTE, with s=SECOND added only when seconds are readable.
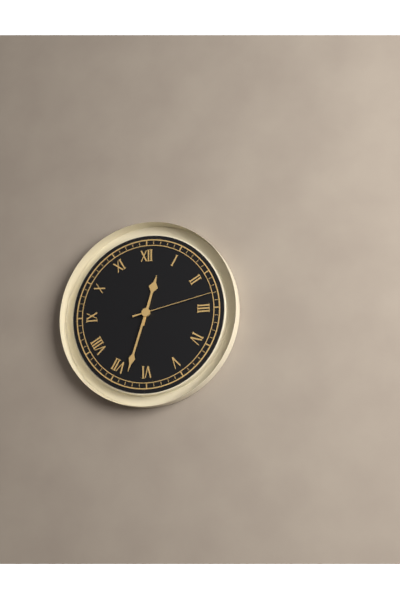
h=12 m=33 s=13
